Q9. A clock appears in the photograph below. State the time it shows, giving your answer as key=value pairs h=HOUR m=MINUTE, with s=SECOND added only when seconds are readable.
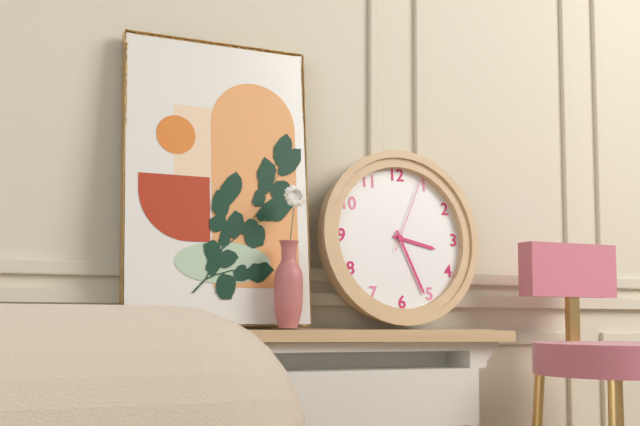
h=3 m=26 s=4
